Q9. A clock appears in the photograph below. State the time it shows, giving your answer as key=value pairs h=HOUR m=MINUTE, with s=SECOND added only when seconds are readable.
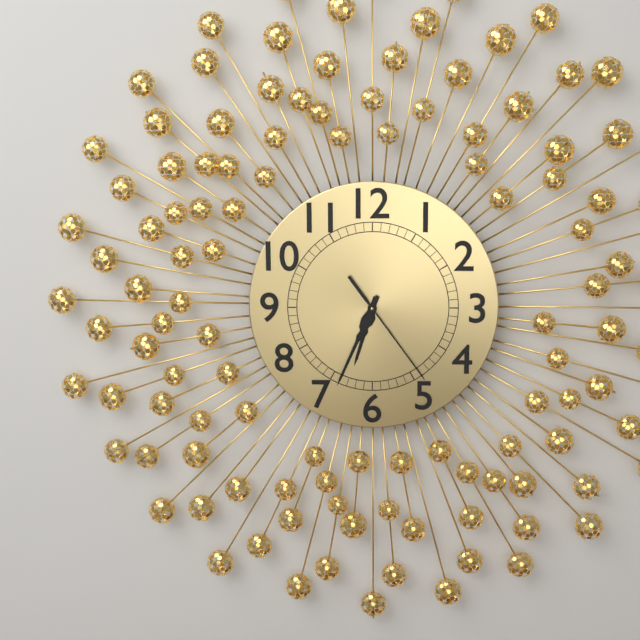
h=6 m=34 s=24
